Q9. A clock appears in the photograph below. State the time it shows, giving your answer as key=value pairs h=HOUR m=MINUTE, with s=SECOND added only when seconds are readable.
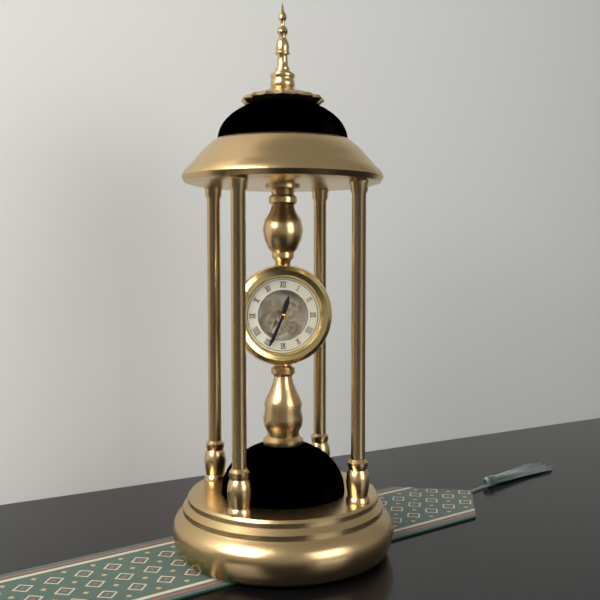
h=12 m=34
